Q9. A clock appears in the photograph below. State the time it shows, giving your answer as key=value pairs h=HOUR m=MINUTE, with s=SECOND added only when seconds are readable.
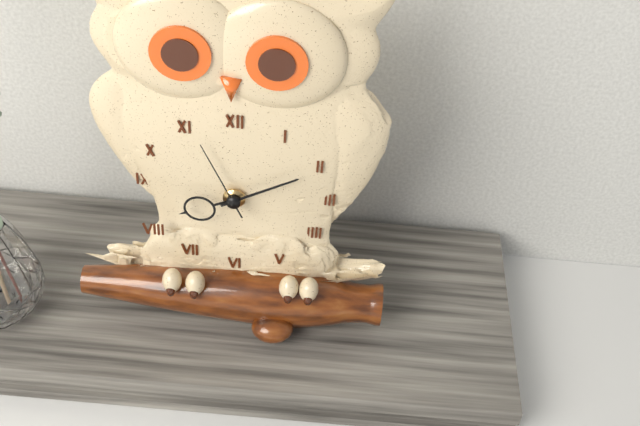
h=8 m=10 s=56
